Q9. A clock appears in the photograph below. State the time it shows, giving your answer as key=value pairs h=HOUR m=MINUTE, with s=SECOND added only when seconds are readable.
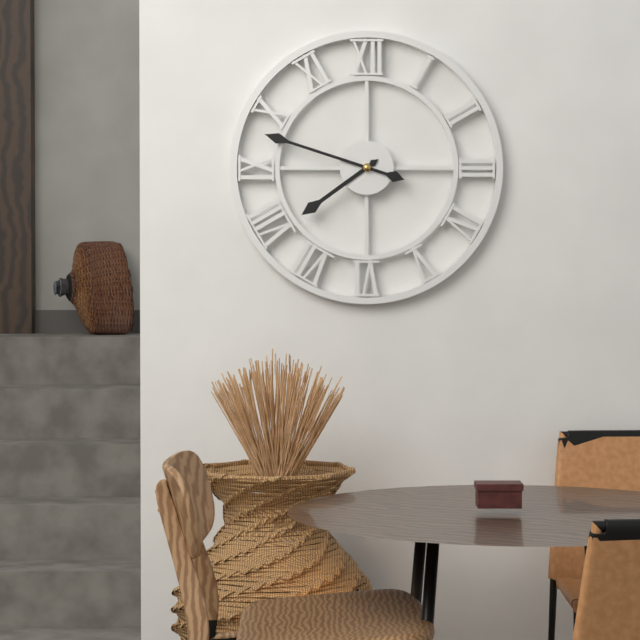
h=7 m=48
